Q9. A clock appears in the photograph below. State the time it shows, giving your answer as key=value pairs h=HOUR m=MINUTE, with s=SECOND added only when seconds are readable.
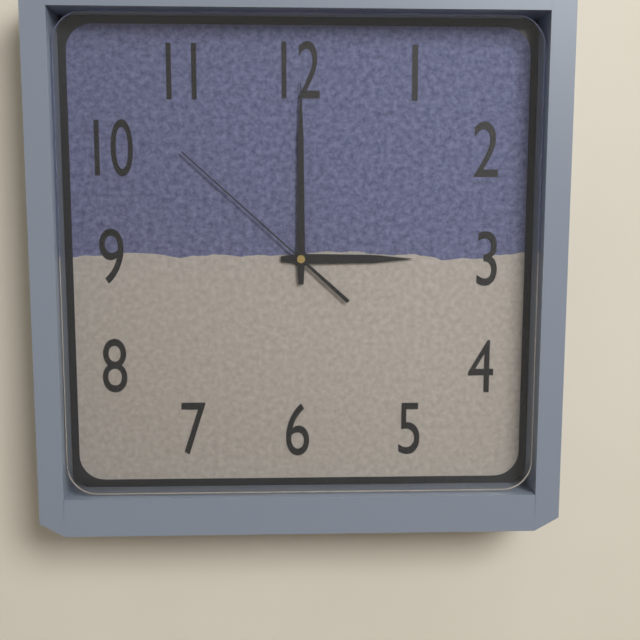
h=3 m=0 s=52
